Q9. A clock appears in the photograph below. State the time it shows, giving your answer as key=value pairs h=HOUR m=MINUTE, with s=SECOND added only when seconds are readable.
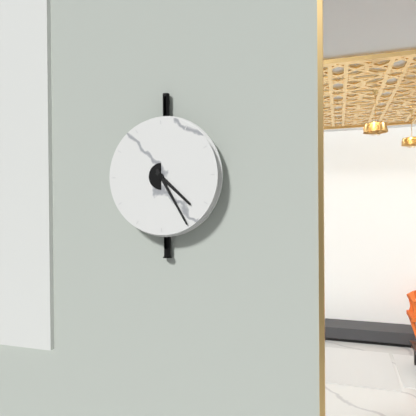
h=4 m=25
